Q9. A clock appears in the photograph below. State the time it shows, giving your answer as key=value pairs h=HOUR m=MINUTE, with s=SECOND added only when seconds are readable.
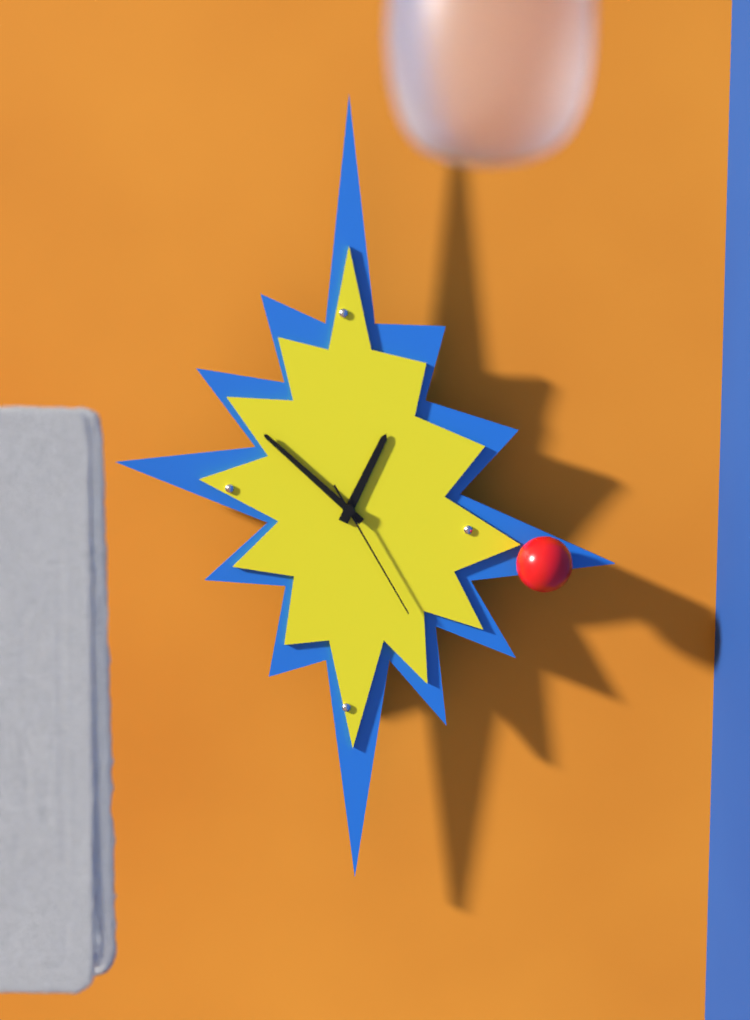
h=12 m=52 s=25
